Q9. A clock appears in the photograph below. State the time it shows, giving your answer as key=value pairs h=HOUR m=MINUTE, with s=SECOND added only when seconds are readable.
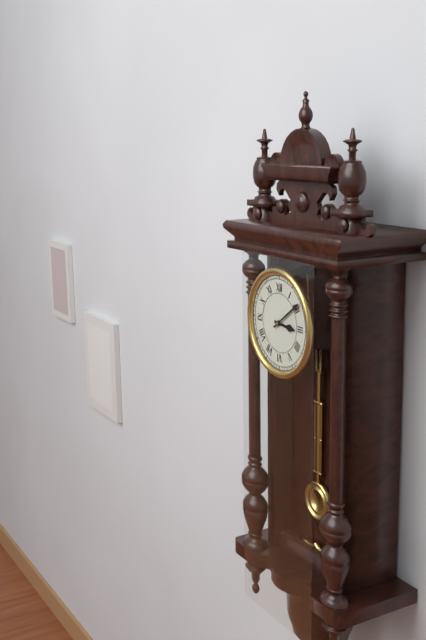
h=3 m=9
